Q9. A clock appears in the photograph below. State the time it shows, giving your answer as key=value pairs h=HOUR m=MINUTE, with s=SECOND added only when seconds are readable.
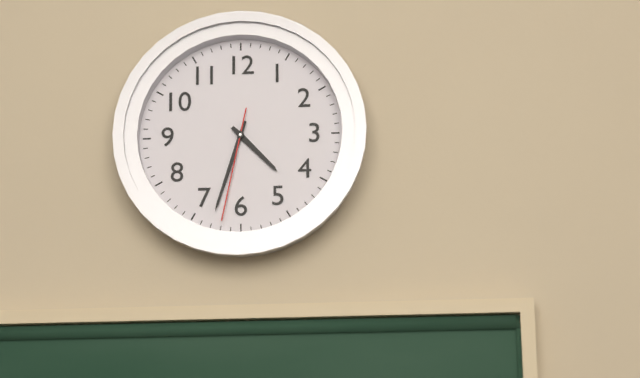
h=4 m=33 s=32
